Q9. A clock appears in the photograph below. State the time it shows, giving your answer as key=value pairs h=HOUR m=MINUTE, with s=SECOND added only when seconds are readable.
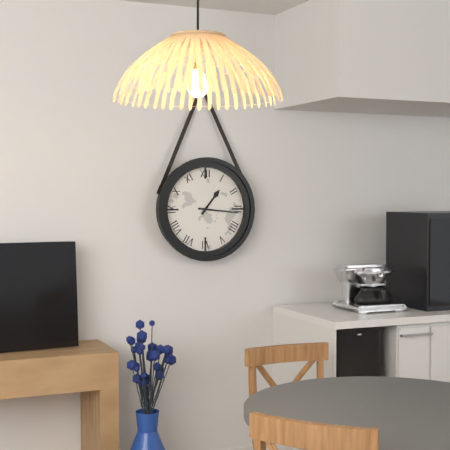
h=1 m=16
